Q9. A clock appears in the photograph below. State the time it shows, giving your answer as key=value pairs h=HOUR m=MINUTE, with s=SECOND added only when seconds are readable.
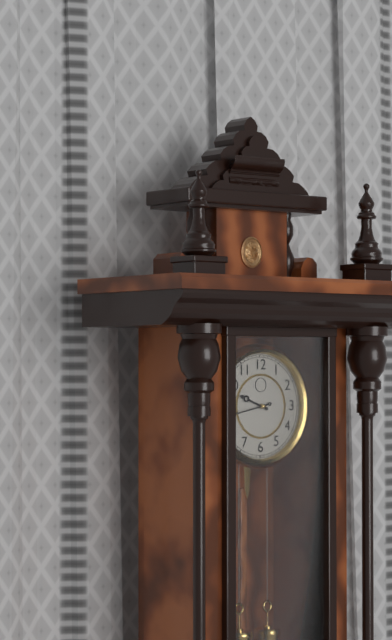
h=9 m=43
